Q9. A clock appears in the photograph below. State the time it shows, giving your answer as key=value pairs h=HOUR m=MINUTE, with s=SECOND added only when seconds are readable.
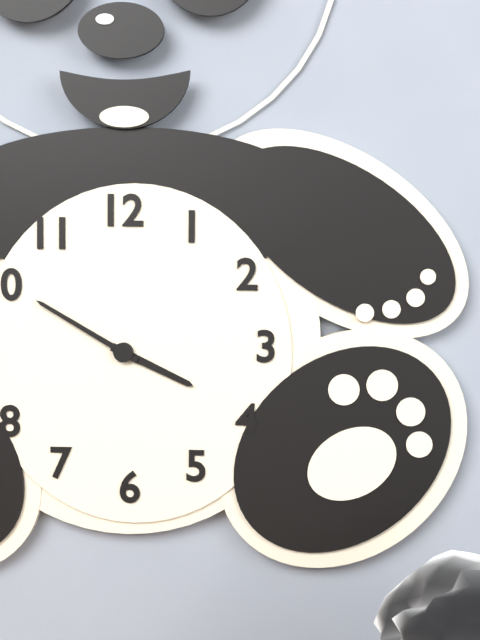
h=3 m=50
